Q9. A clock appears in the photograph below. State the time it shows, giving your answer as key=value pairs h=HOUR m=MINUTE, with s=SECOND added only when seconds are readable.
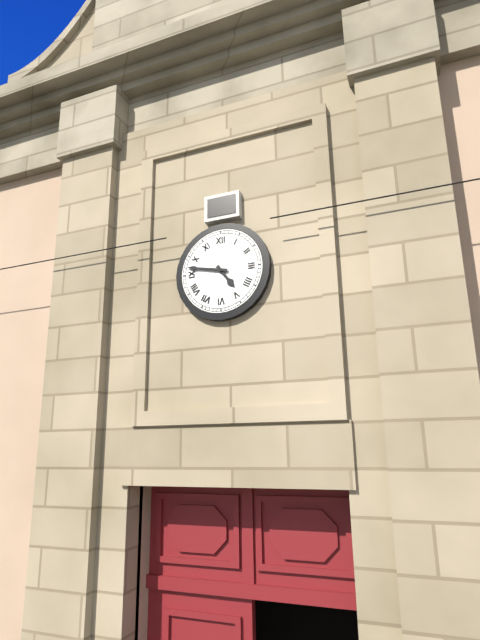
h=4 m=47
